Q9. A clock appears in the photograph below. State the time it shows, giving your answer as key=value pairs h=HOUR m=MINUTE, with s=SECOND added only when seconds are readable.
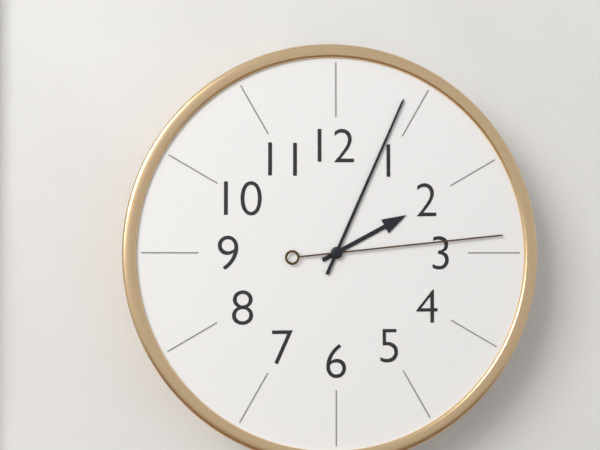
h=2 m=4 s=14
